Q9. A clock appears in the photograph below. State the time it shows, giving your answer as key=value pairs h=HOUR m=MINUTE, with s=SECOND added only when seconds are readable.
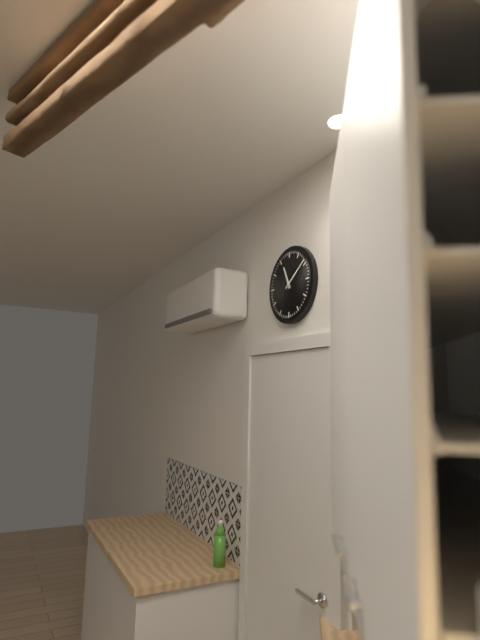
h=11 m=9
